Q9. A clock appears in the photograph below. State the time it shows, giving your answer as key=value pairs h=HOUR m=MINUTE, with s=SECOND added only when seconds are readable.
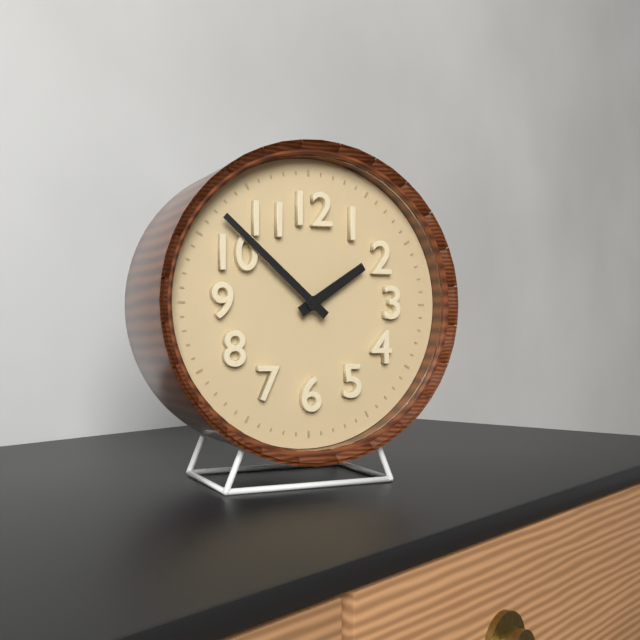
h=1 m=52
